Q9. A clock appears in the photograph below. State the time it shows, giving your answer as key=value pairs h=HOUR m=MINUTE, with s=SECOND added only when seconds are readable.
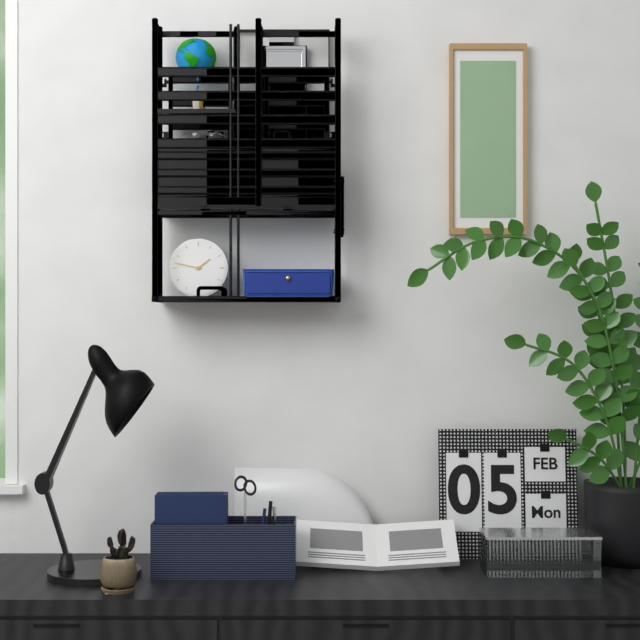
h=1 m=47
